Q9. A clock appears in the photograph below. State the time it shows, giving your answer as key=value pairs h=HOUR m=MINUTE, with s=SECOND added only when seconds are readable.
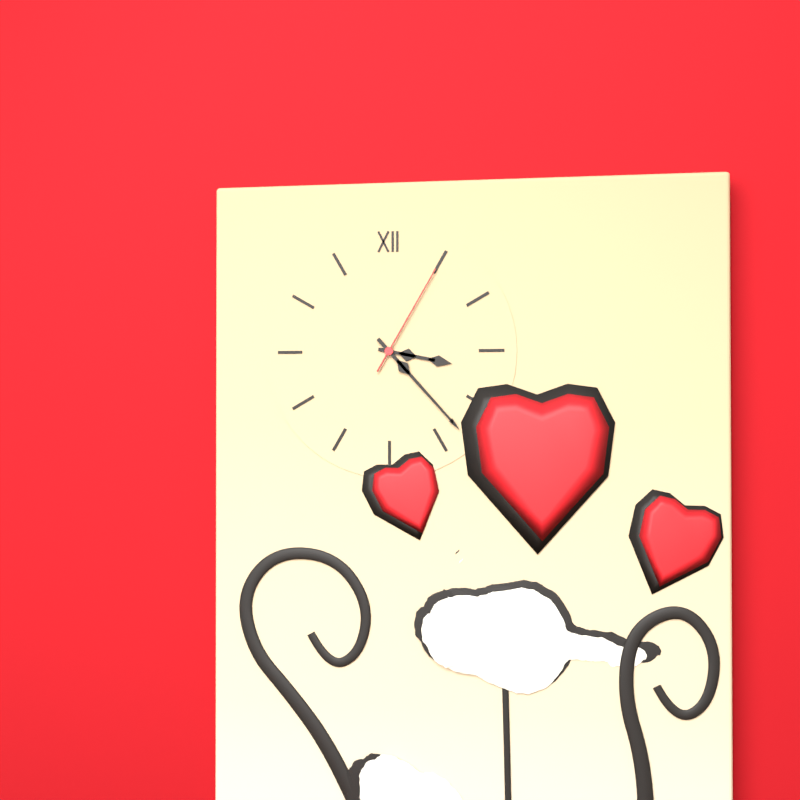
h=3 m=23 s=5
